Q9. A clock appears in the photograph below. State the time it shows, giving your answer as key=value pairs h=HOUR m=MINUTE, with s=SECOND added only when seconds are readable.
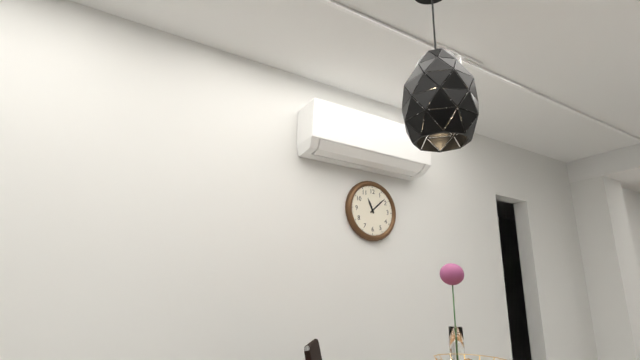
h=11 m=8
